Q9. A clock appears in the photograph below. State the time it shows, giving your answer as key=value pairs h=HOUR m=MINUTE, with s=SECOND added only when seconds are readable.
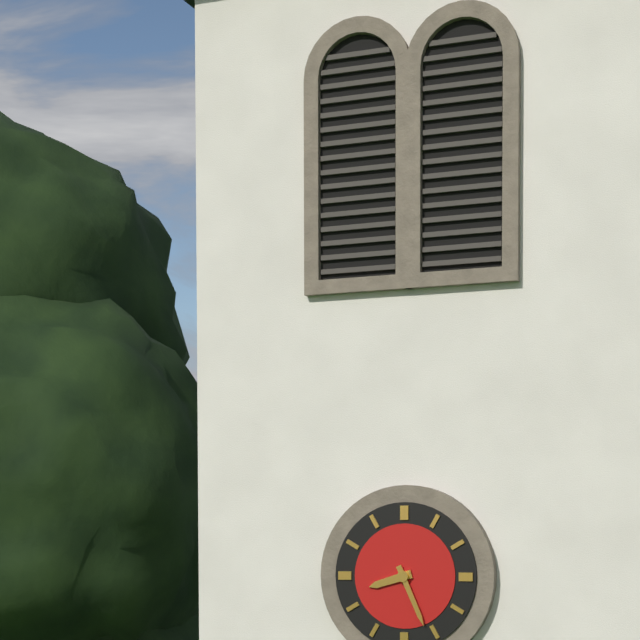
h=8 m=26
